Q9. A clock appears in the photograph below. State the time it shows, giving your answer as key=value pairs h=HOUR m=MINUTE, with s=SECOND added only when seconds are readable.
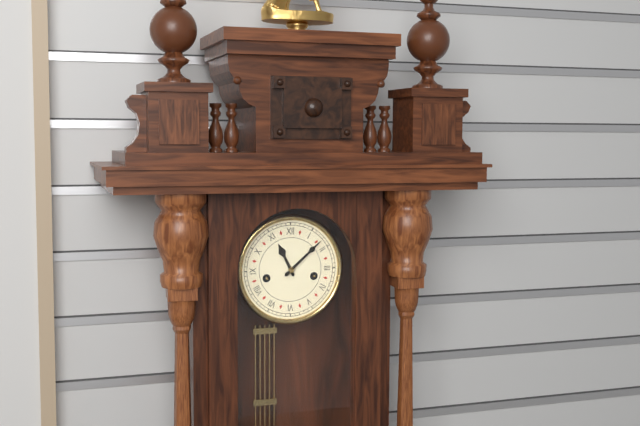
h=11 m=8
